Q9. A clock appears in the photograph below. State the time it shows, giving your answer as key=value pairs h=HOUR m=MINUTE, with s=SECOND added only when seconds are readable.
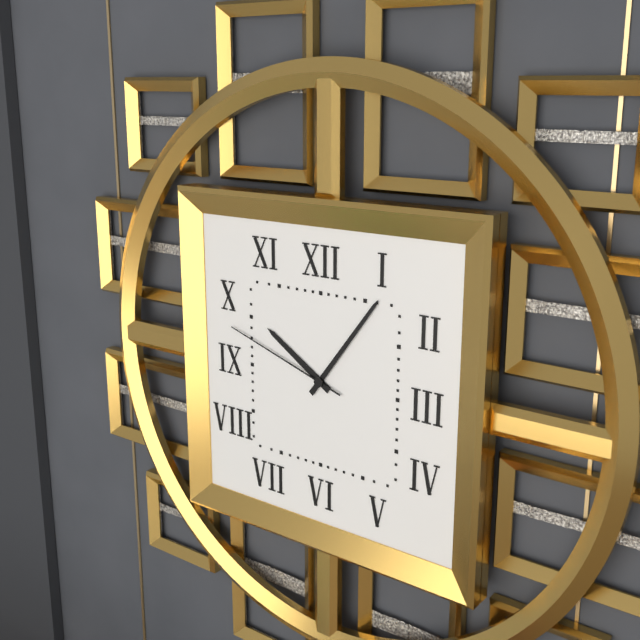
h=10 m=6 s=48
